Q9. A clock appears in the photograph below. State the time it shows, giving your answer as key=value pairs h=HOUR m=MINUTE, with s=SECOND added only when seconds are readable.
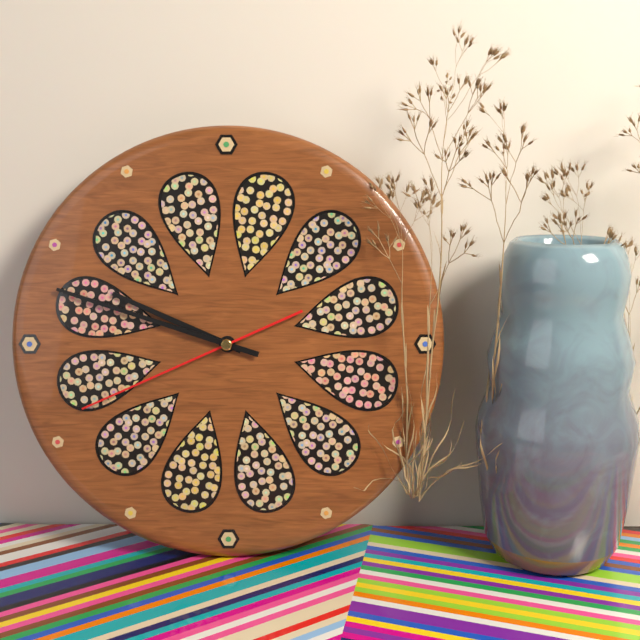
h=9 m=48 s=41
